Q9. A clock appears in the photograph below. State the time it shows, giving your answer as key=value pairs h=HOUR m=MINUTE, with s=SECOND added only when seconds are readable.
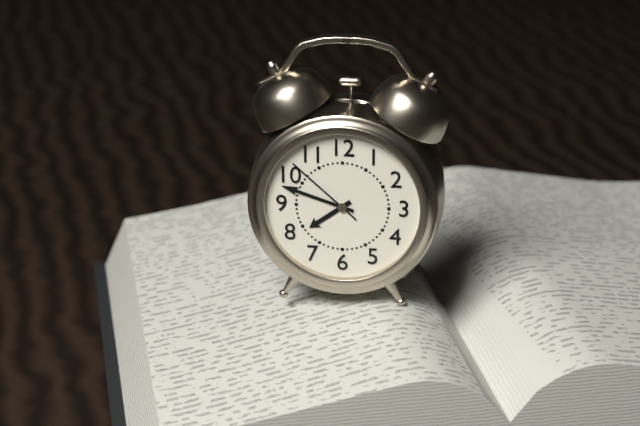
h=7 m=48 s=52
